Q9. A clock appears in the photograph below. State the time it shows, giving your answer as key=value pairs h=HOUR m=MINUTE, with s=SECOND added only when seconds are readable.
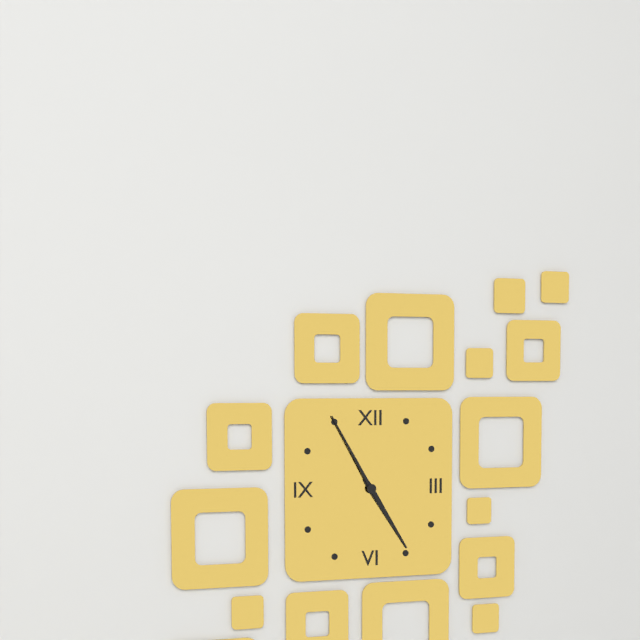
h=4 m=55
